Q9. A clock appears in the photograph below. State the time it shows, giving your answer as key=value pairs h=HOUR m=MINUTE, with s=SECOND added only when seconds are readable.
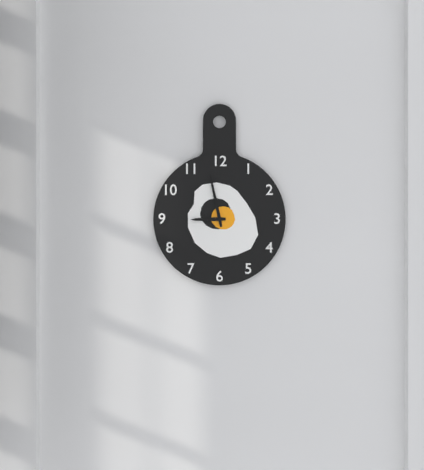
h=8 m=58
